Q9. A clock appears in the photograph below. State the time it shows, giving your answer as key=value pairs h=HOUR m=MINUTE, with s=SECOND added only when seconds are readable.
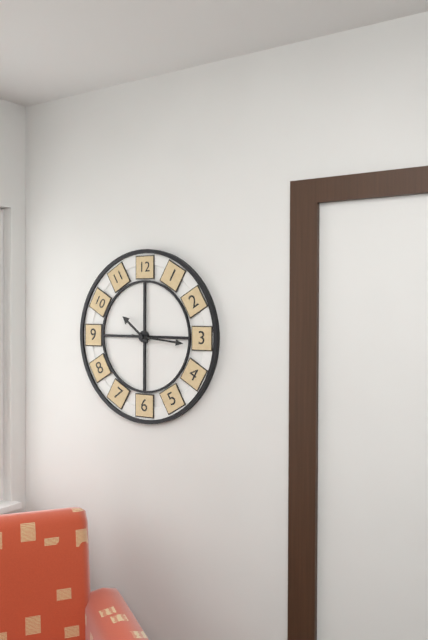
h=10 m=16
